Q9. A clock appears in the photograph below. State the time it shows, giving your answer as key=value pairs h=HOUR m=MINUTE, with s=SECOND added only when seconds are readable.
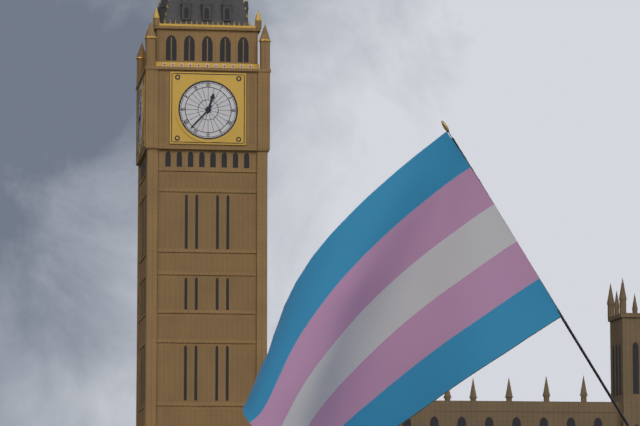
h=12 m=37
